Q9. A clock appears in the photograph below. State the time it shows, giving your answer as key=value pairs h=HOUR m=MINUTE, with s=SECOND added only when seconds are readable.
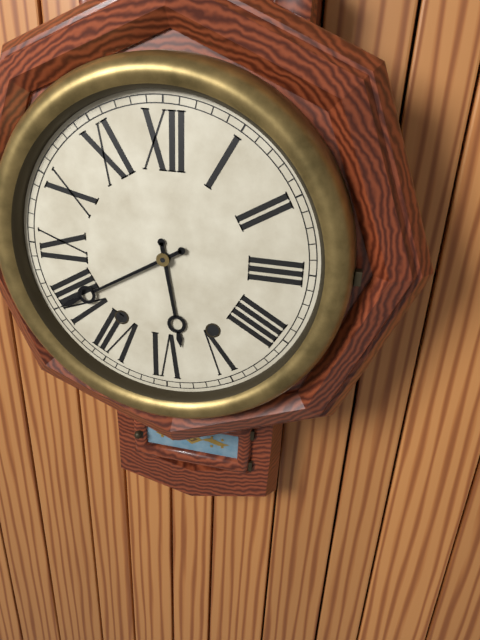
h=5 m=40
